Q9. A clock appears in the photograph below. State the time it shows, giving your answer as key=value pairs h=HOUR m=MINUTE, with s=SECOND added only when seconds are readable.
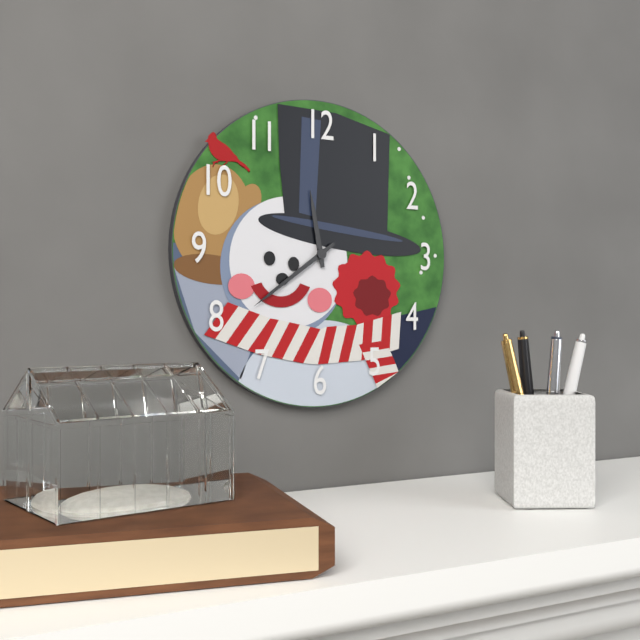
h=11 m=39
